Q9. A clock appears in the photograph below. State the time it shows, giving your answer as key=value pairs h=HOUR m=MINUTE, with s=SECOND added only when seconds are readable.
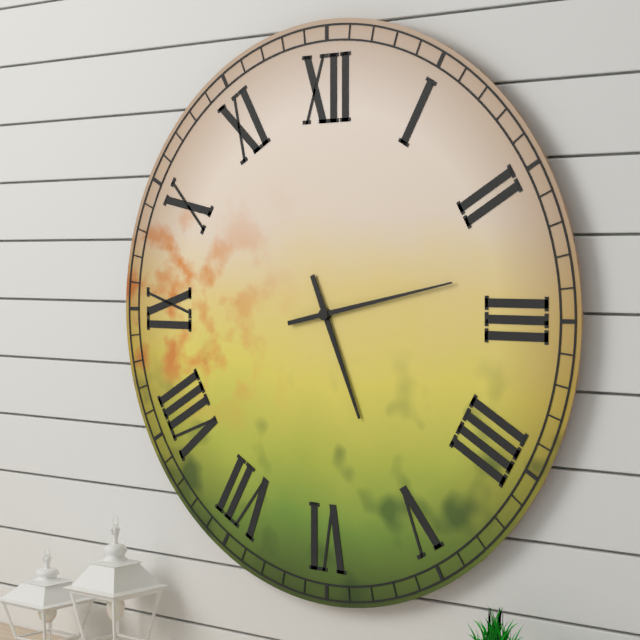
h=5 m=13
